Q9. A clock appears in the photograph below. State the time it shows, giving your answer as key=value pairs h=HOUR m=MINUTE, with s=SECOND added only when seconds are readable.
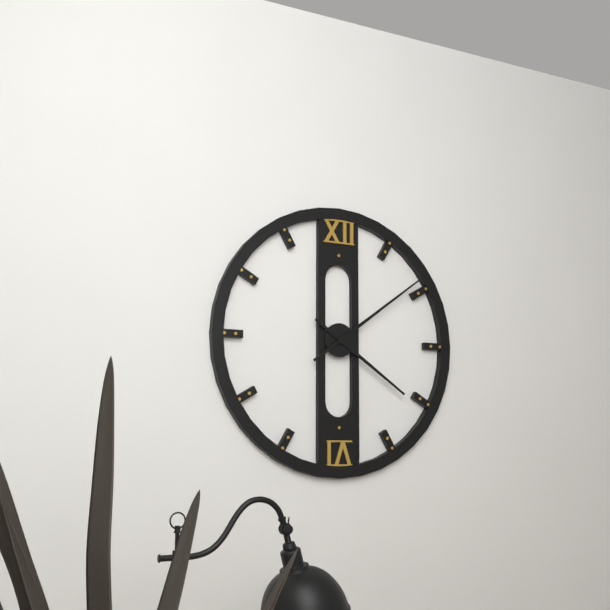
h=4 m=9
